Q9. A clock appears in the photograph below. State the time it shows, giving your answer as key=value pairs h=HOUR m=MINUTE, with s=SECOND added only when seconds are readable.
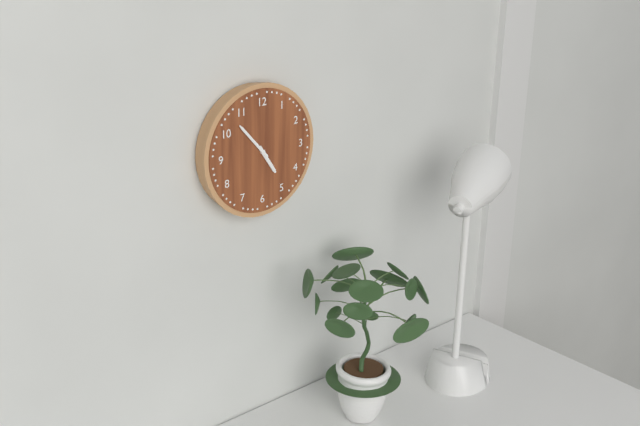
h=4 m=53
